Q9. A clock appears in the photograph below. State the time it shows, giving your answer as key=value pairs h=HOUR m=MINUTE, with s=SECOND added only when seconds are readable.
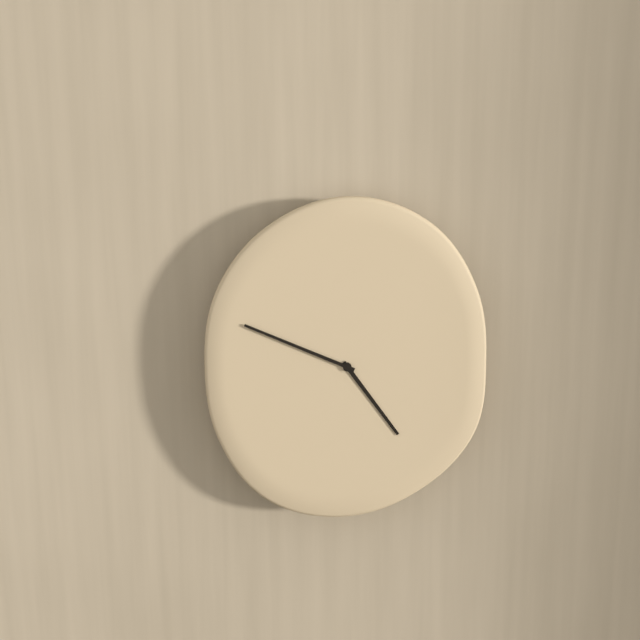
h=4 m=49
